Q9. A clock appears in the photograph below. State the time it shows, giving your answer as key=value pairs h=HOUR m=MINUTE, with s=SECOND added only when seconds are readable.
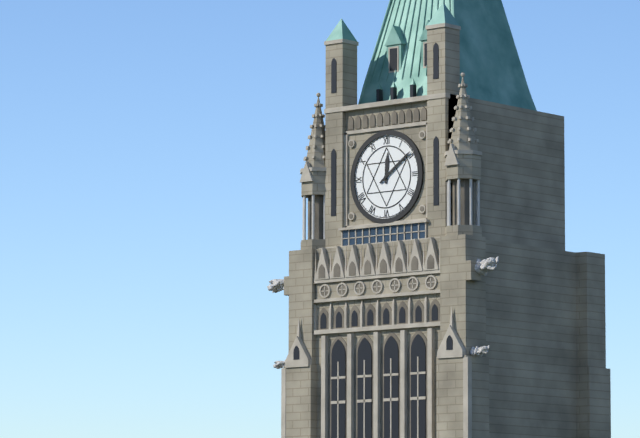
h=12 m=9
